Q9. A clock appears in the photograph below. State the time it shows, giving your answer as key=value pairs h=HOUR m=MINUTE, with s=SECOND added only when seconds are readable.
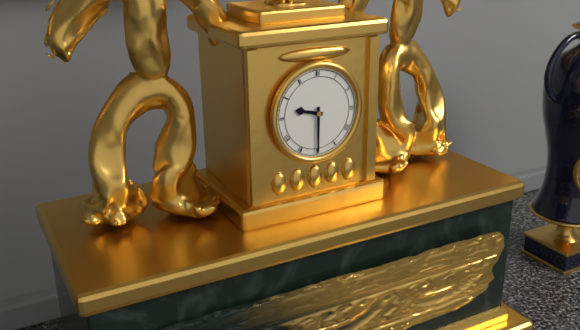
h=9 m=30
